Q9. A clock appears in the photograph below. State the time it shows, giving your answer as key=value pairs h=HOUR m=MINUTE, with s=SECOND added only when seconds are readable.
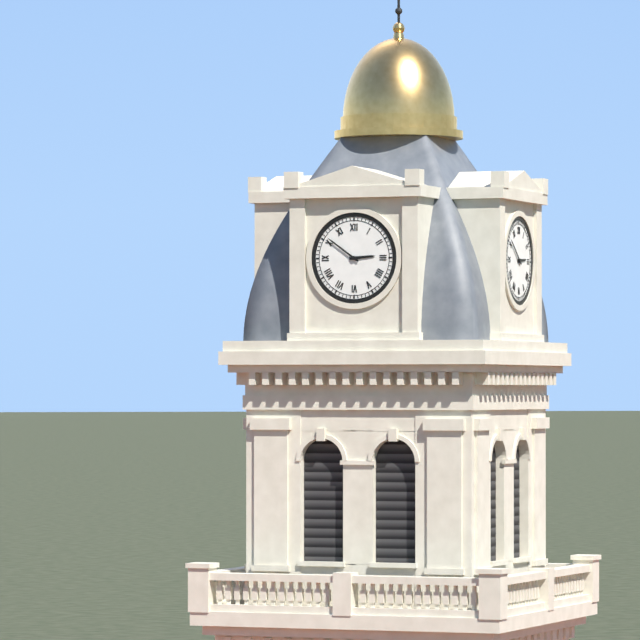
h=2 m=51
